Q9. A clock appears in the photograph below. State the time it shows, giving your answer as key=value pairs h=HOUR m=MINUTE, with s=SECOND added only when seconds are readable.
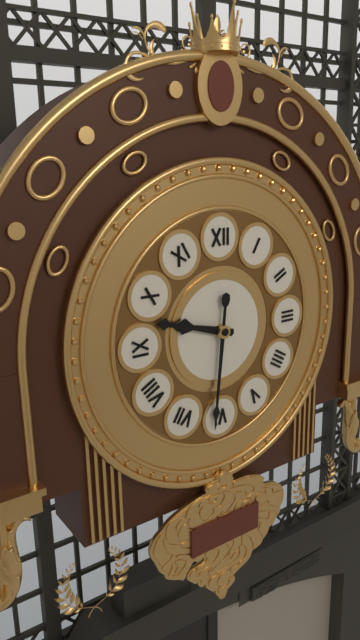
h=9 m=31
